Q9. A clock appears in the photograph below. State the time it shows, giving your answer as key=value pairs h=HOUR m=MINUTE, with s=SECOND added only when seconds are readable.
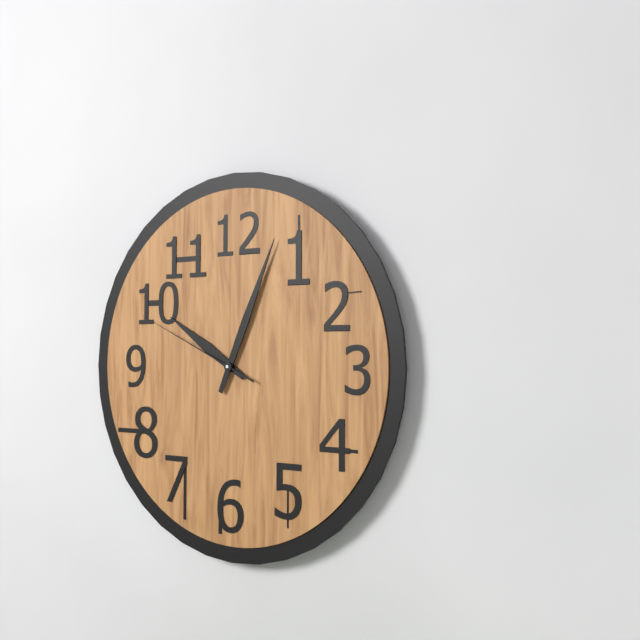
h=10 m=4 s=49
